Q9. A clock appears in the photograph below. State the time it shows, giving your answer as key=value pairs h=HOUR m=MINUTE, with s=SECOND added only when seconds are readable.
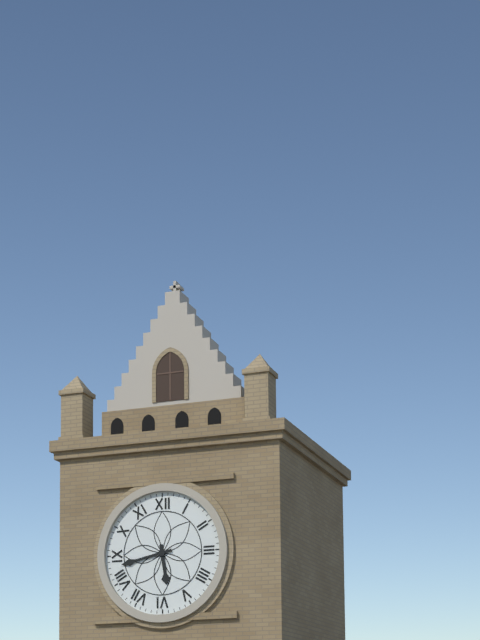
h=5 m=43
